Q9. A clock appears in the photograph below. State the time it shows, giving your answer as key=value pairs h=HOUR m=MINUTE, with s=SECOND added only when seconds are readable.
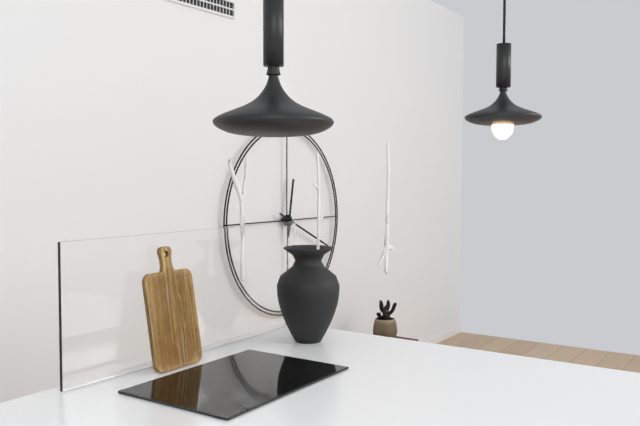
h=12 m=19
